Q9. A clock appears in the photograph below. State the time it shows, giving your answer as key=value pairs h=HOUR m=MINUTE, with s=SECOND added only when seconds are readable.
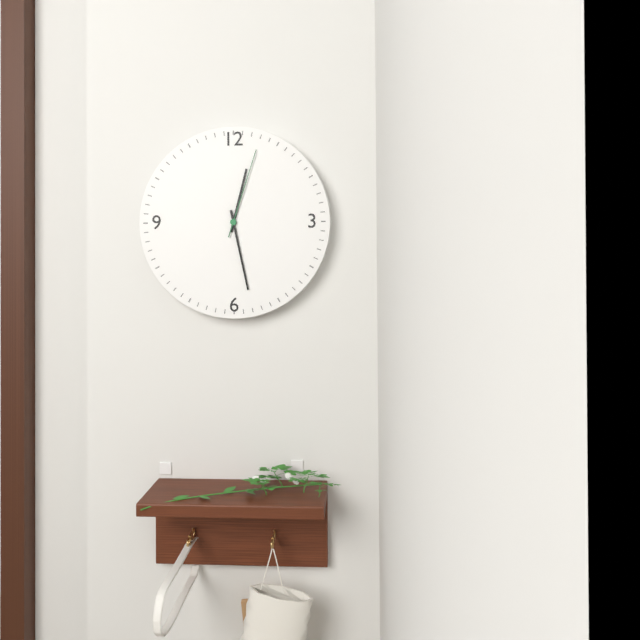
h=12 m=28 s=3
